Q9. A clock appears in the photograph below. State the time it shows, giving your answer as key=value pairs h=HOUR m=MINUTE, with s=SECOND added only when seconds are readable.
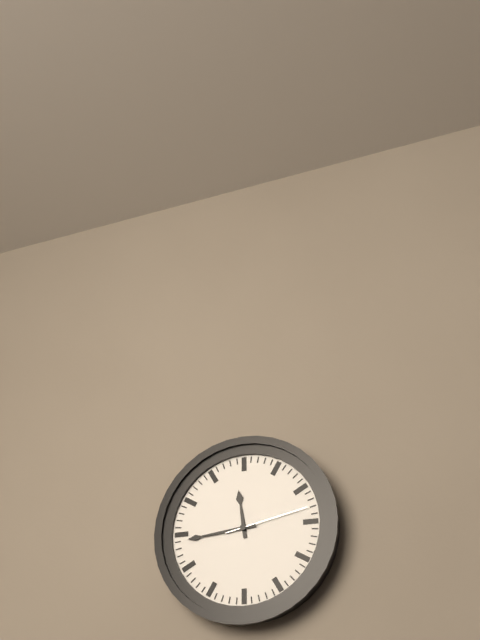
h=11 m=44 s=13
